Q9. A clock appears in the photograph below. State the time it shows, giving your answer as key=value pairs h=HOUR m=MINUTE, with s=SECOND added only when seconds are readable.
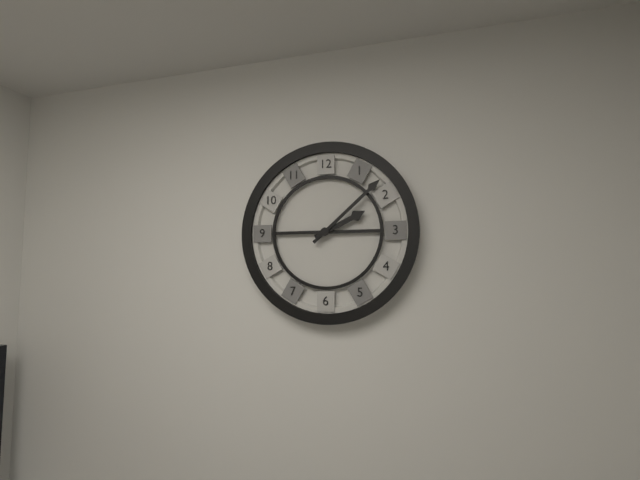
h=2 m=8
